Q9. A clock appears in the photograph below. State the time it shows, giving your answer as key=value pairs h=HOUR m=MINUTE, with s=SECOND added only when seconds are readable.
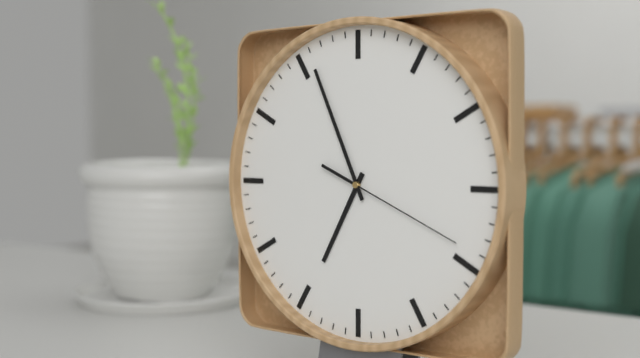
h=6 m=56 s=19
